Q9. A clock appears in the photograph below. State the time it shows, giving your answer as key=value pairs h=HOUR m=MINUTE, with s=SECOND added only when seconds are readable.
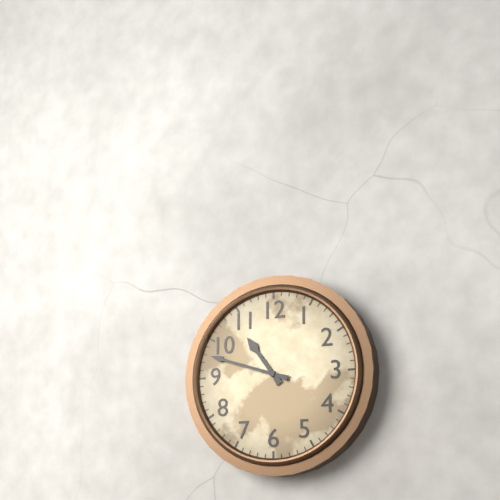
h=10 m=48
